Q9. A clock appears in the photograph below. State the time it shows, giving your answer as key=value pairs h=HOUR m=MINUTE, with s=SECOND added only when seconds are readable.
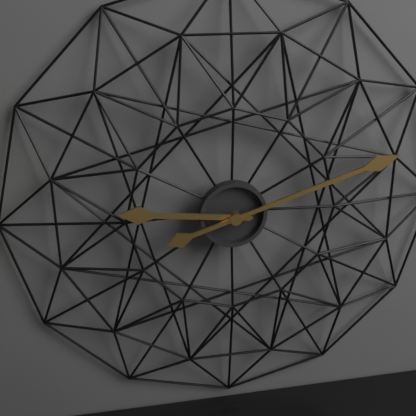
h=9 m=12
